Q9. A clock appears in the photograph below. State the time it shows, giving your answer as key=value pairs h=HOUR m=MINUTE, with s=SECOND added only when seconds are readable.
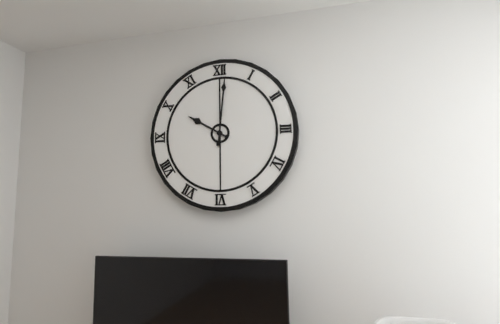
h=10 m=1
